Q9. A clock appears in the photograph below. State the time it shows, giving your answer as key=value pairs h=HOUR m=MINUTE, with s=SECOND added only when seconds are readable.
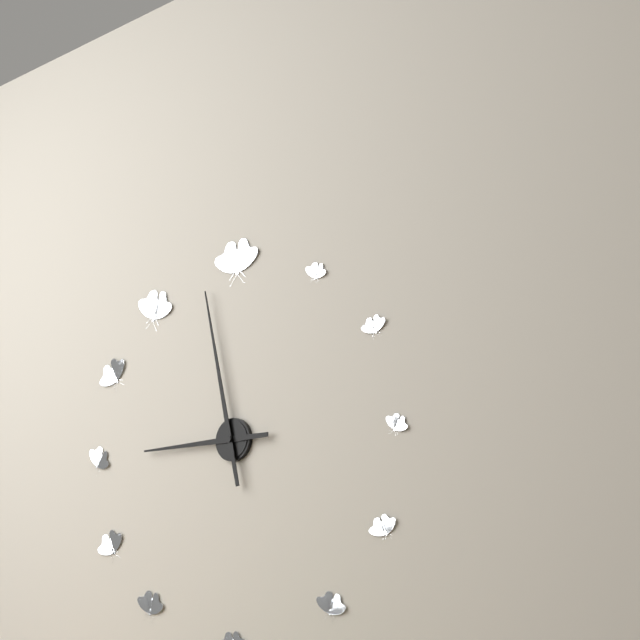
h=8 m=58
